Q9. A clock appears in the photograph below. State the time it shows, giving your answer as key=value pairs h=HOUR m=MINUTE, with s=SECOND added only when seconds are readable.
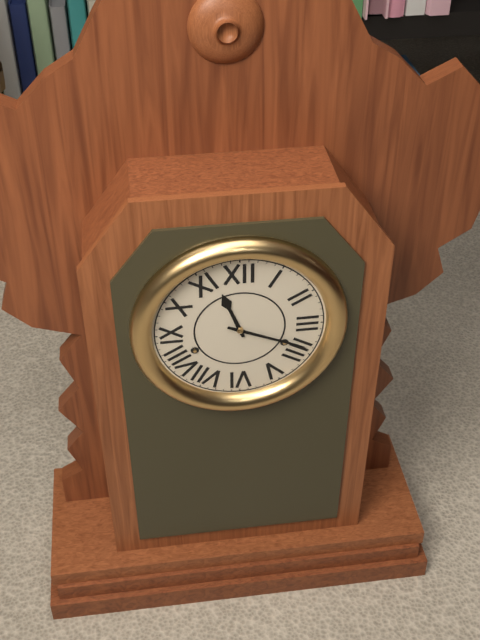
h=11 m=19
